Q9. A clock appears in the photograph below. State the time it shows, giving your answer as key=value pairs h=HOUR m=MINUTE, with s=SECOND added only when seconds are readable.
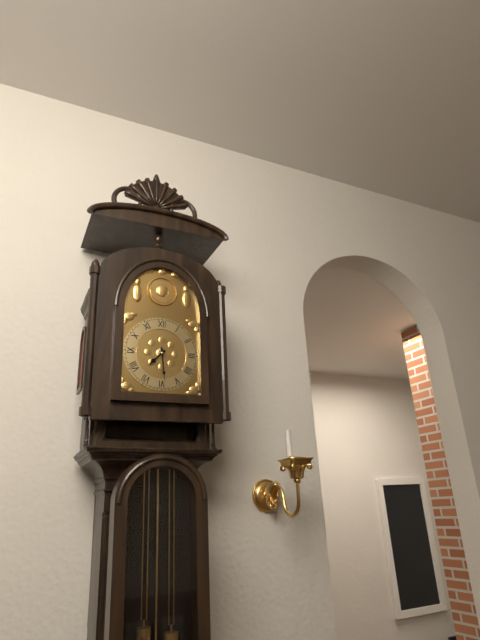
h=7 m=29
